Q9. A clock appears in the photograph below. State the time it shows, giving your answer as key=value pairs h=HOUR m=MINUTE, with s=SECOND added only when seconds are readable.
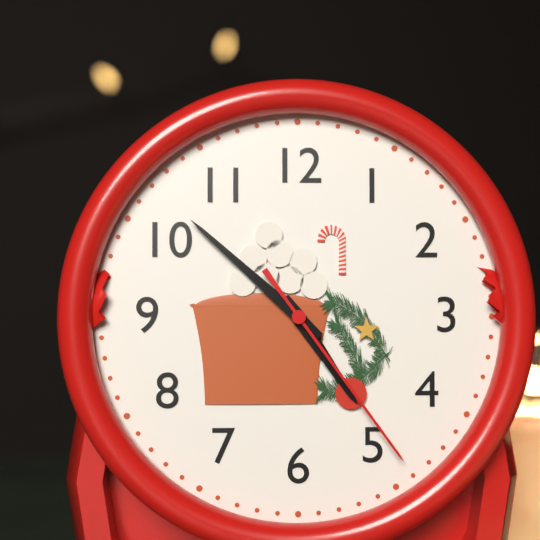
h=4 m=52 s=24
